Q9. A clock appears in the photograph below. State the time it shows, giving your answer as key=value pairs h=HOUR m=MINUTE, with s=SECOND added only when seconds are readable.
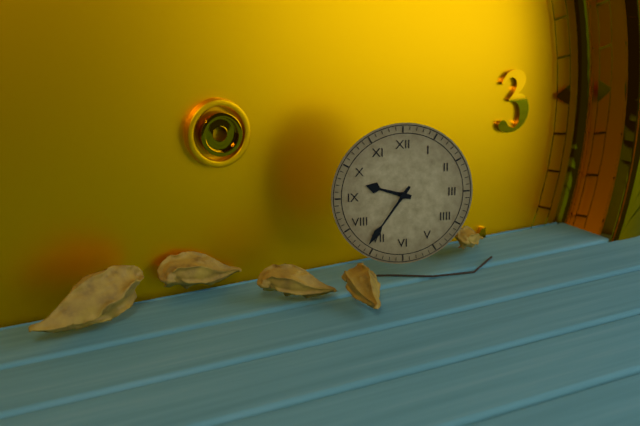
h=9 m=36
